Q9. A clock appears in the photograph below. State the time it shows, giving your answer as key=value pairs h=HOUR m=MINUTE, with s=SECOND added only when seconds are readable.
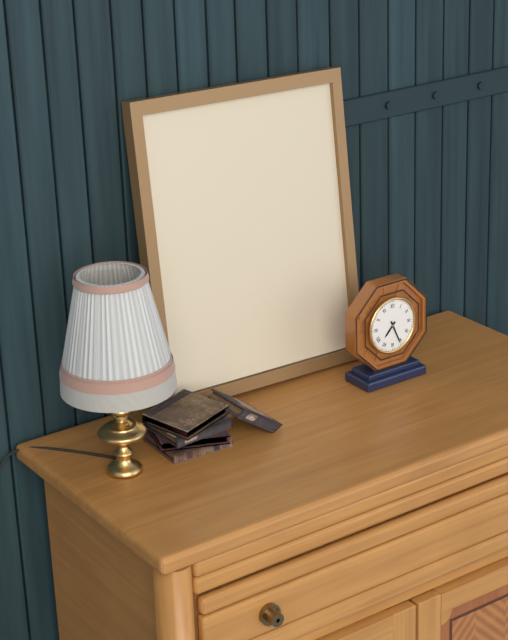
h=7 m=26
